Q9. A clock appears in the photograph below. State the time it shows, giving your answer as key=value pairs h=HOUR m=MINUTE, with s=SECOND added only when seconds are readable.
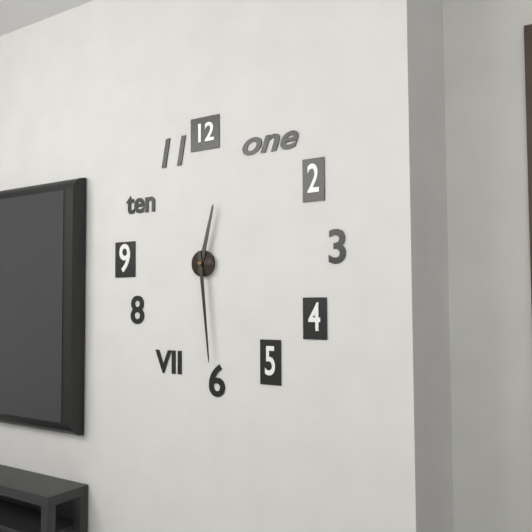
h=12 m=29
